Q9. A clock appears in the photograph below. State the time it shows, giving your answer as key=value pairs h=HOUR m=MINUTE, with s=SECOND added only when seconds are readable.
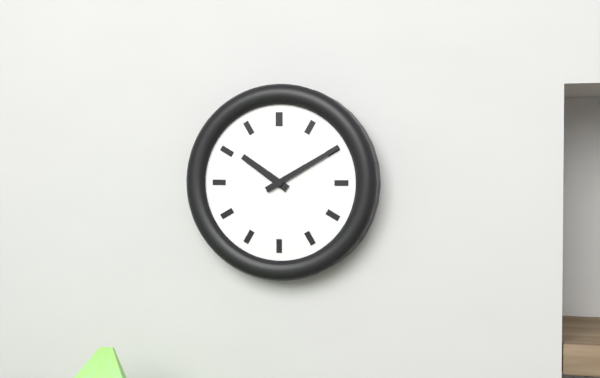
h=10 m=10
